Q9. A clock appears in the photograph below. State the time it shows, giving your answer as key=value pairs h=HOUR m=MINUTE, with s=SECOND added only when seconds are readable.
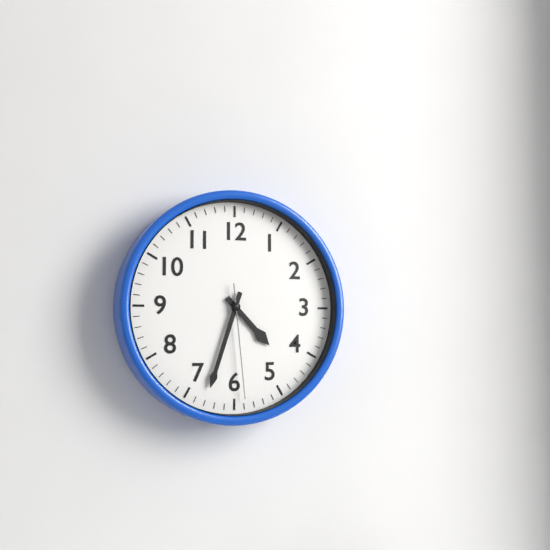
h=4 m=33 s=29
